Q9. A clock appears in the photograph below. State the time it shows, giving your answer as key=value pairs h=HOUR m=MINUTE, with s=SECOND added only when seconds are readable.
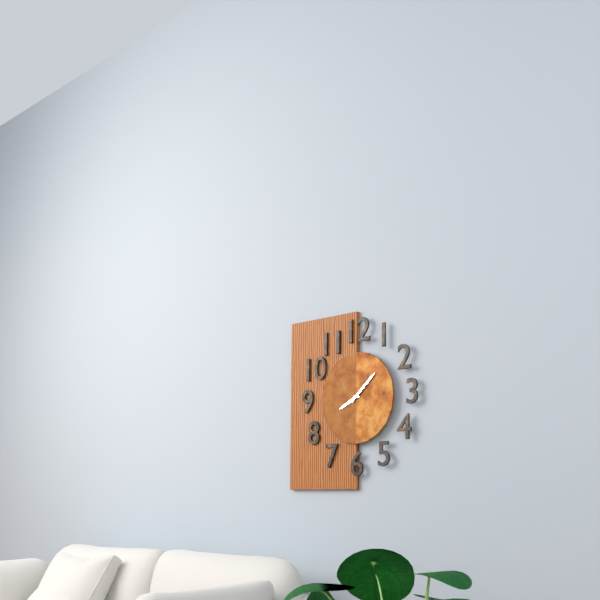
h=8 m=8
